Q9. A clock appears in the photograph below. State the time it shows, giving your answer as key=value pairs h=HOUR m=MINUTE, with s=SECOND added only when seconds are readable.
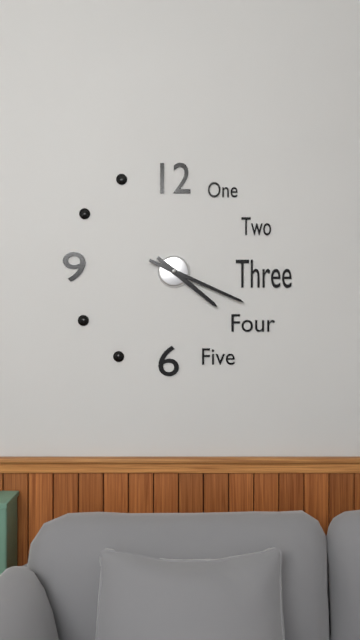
h=4 m=19
